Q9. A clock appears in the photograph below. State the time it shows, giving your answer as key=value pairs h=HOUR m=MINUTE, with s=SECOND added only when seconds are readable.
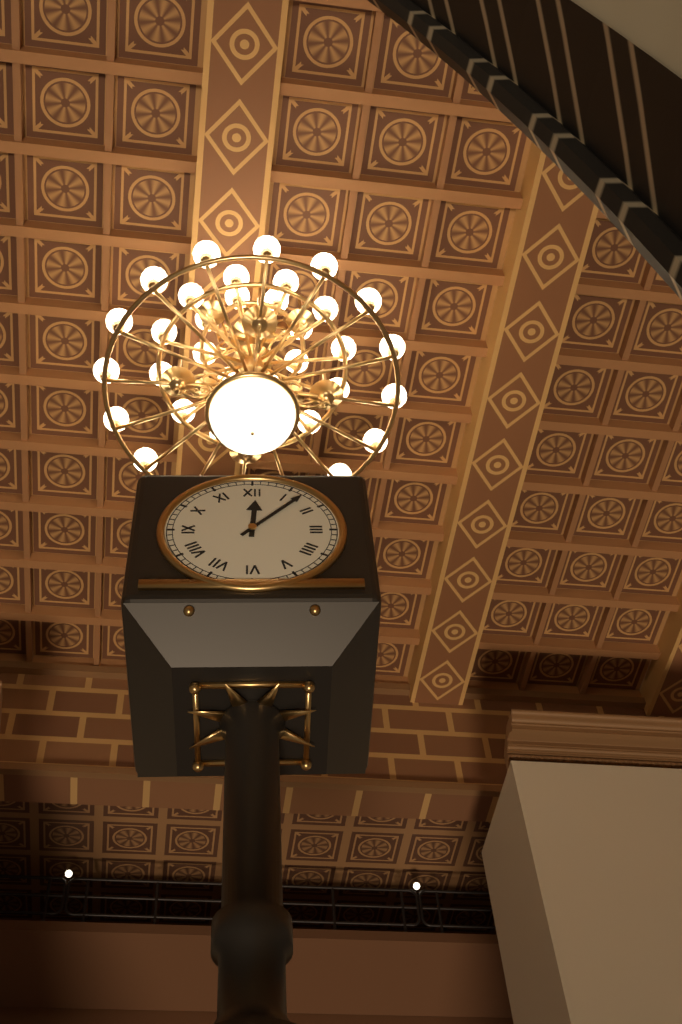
h=12 m=7
